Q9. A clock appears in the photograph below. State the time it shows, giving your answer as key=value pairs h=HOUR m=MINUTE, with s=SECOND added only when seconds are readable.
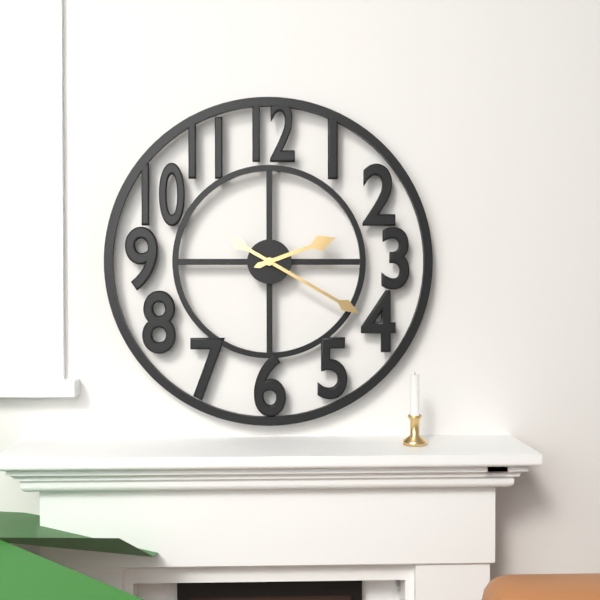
h=2 m=20
